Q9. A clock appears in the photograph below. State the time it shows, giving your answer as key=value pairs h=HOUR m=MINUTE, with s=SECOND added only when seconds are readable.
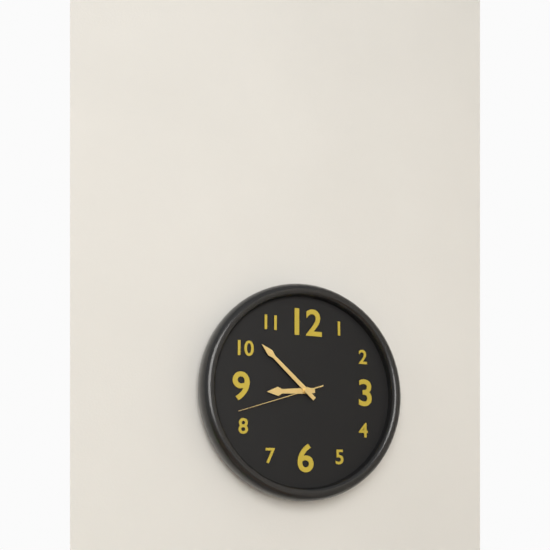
h=8 m=52 s=42
